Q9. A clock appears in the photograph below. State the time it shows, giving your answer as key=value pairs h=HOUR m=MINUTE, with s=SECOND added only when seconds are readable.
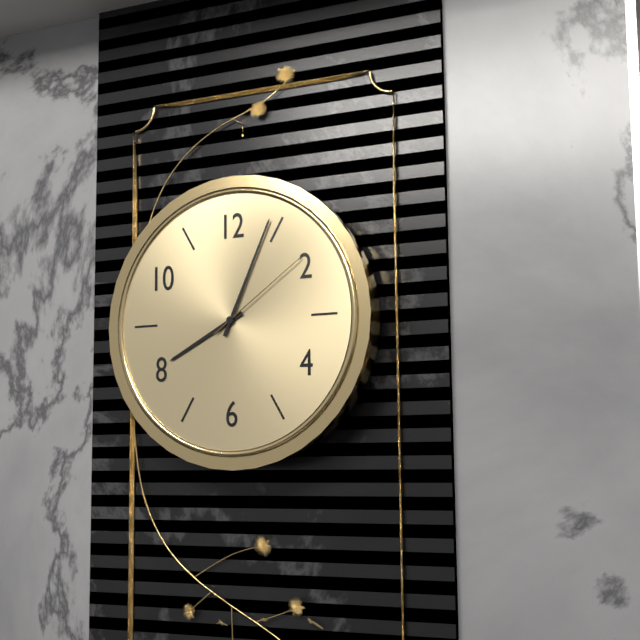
h=8 m=4 s=9
